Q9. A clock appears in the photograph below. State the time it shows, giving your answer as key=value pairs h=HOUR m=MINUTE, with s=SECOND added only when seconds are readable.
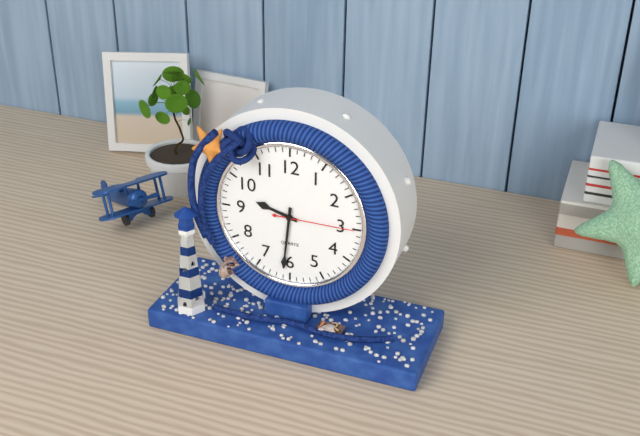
h=9 m=31 s=15
